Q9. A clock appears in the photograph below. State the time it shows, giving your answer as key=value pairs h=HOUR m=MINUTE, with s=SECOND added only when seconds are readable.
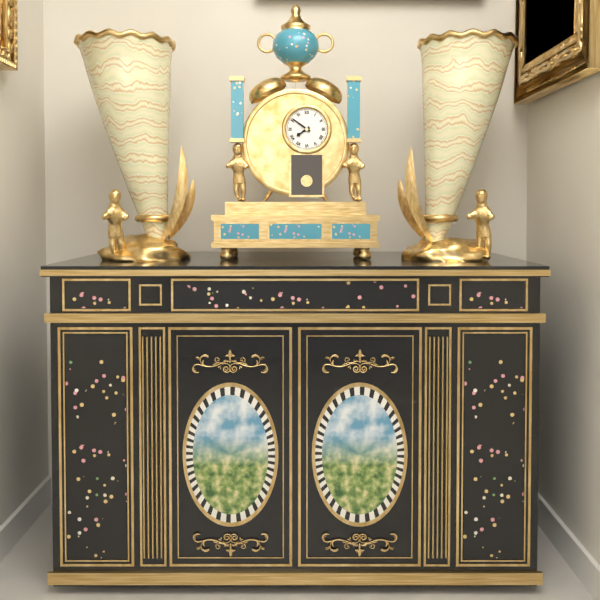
h=7 m=51
